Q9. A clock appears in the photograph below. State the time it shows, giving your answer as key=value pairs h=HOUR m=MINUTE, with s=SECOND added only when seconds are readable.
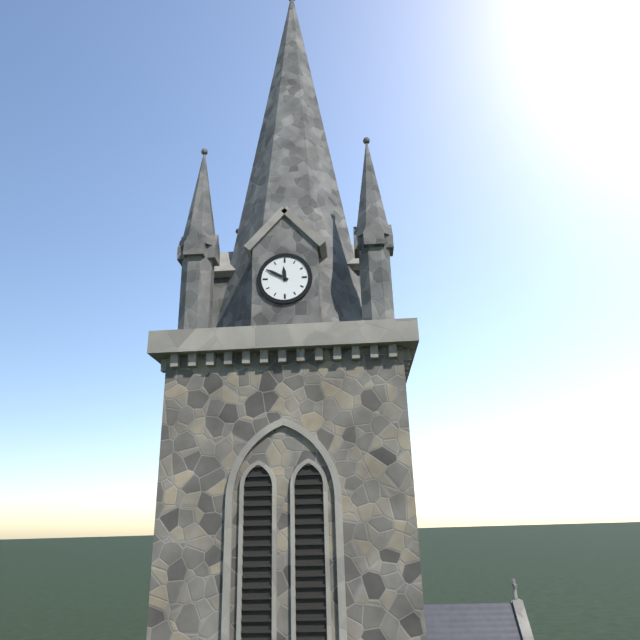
h=11 m=50
